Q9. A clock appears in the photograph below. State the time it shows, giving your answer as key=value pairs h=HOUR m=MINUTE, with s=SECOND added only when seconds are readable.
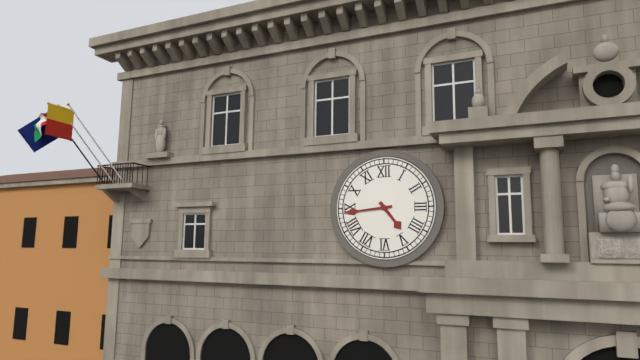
h=4 m=44
